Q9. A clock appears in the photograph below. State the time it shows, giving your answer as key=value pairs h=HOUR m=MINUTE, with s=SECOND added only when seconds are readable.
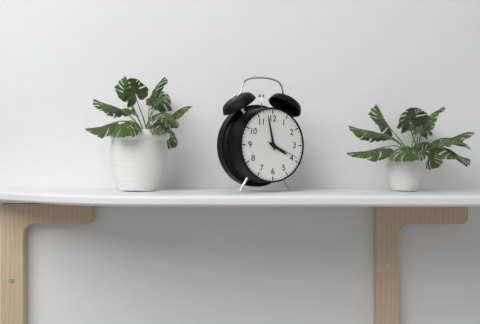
h=3 m=58
